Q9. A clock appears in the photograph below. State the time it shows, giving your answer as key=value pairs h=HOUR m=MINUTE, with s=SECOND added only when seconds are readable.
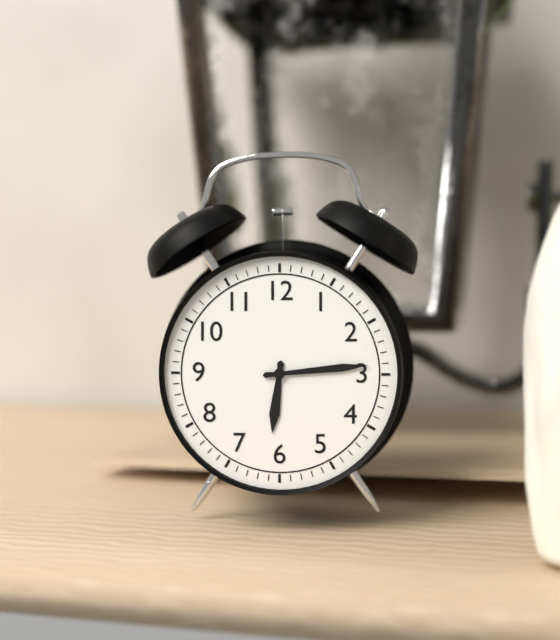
h=6 m=14
